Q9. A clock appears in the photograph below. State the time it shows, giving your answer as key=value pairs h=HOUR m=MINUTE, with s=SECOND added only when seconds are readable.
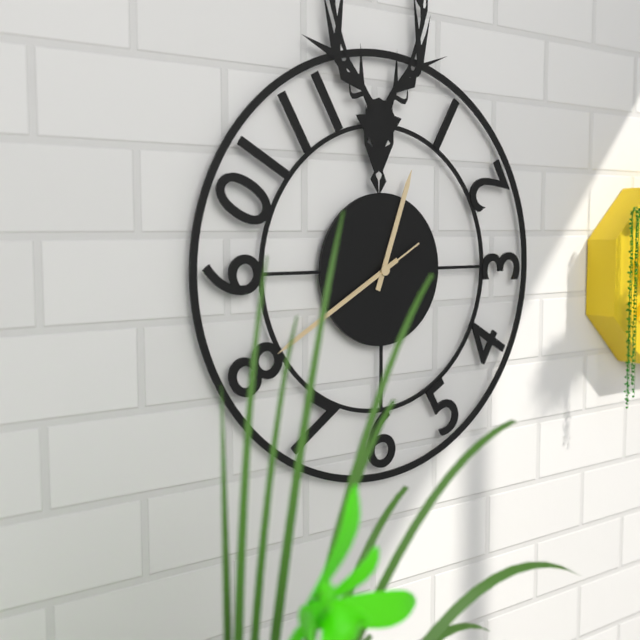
h=12 m=40 s=40
